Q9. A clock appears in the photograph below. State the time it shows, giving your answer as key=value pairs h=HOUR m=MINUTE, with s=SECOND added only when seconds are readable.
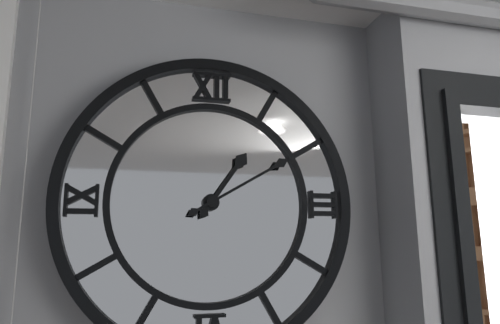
h=1 m=10
